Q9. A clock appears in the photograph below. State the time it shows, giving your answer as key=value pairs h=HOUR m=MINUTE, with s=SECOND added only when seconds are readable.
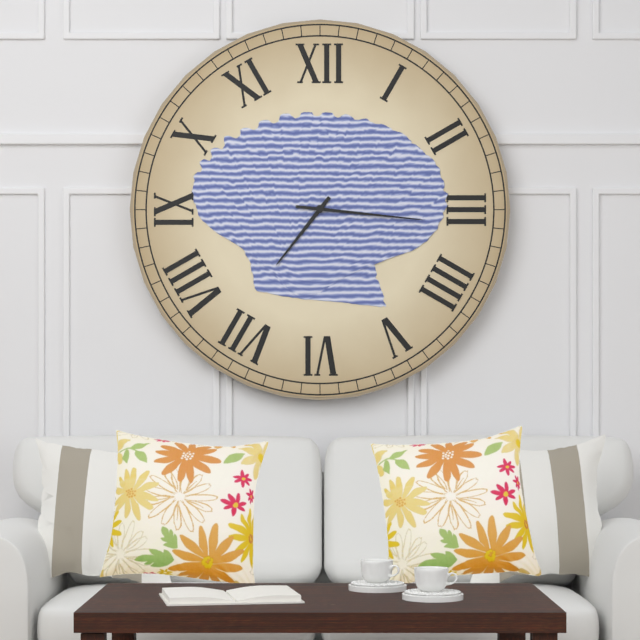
h=7 m=16
